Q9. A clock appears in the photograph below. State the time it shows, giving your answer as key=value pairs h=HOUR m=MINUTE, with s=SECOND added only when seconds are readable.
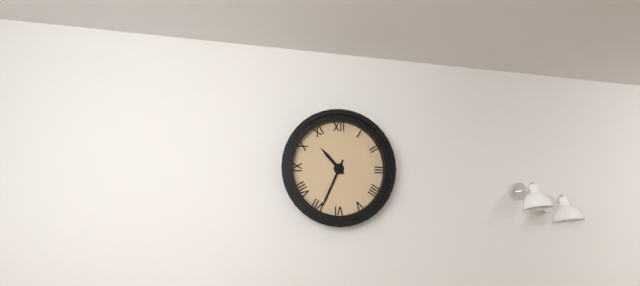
h=10 m=34
